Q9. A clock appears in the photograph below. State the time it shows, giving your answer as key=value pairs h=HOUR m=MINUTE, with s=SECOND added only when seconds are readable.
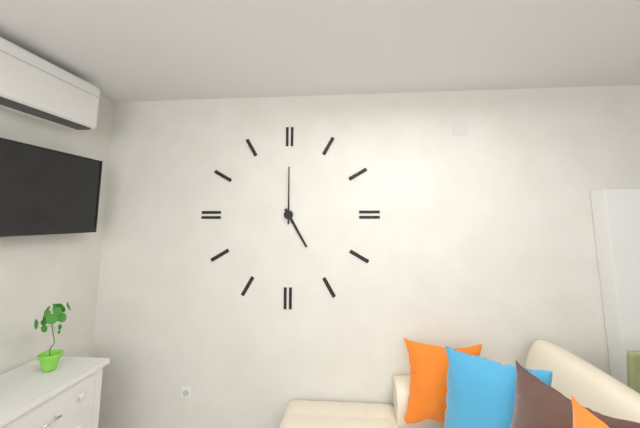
h=5 m=0
